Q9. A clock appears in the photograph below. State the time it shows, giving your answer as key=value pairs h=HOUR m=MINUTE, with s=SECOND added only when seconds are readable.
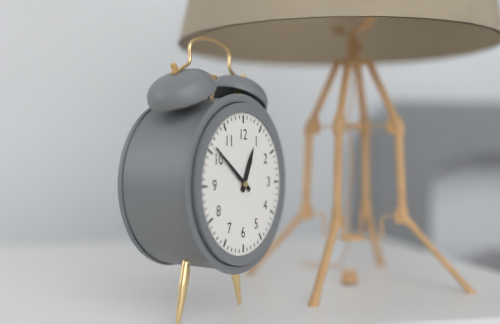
h=12 m=51
